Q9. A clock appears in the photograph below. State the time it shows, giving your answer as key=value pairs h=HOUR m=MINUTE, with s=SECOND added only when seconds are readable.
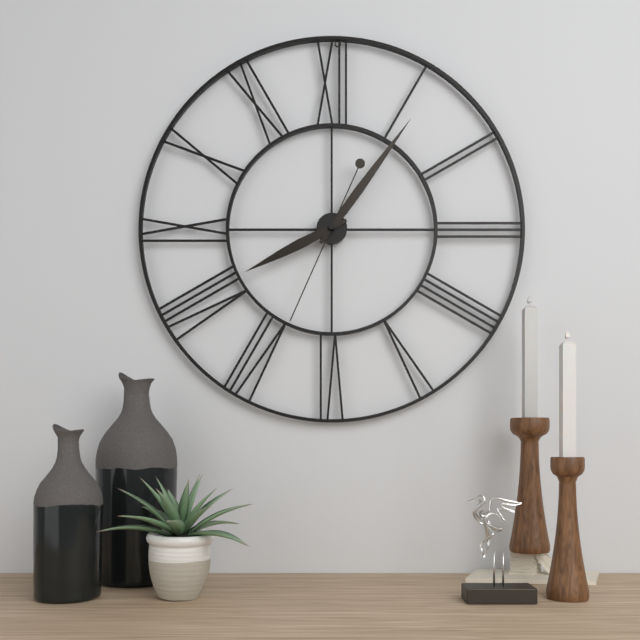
h=8 m=6 s=34
